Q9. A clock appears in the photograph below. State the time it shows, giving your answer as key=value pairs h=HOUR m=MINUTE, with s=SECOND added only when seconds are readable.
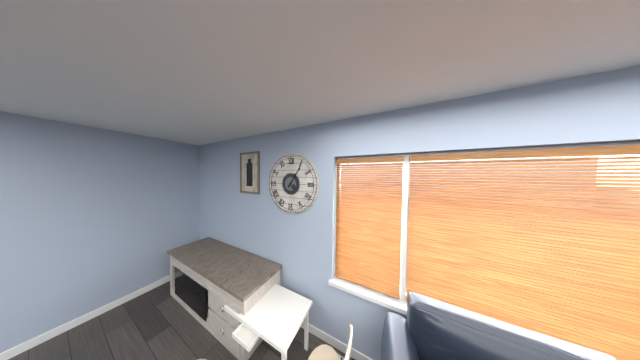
h=1 m=6
